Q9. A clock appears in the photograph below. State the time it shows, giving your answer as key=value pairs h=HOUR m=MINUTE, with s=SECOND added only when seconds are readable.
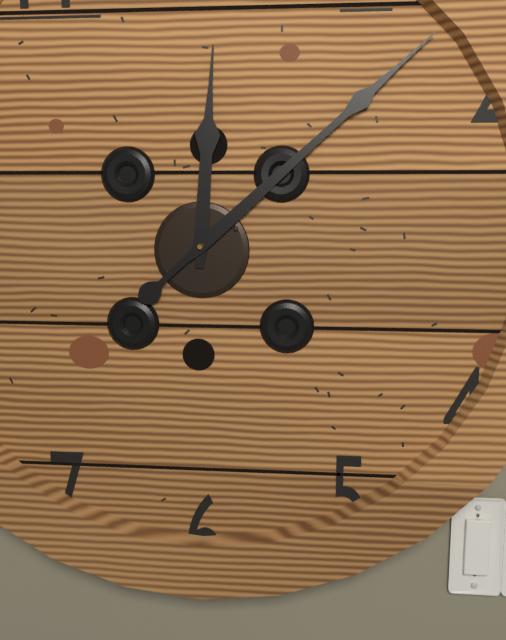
h=12 m=8
